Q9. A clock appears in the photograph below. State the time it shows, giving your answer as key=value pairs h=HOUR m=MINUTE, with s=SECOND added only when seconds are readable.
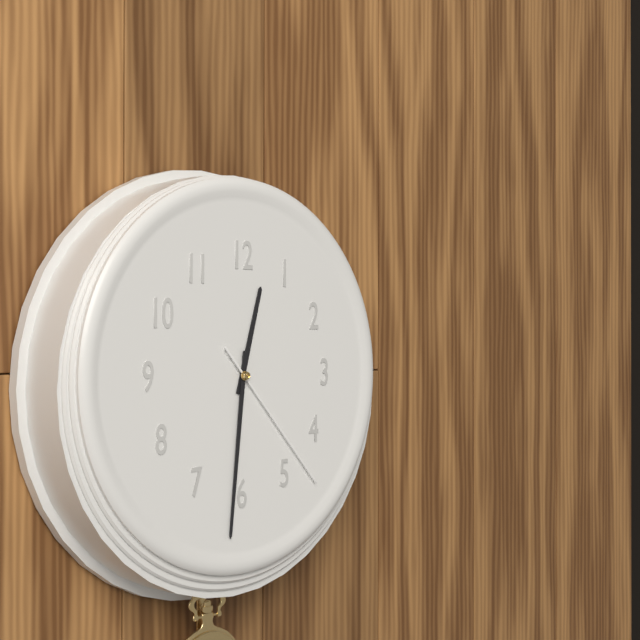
h=12 m=31 s=23
